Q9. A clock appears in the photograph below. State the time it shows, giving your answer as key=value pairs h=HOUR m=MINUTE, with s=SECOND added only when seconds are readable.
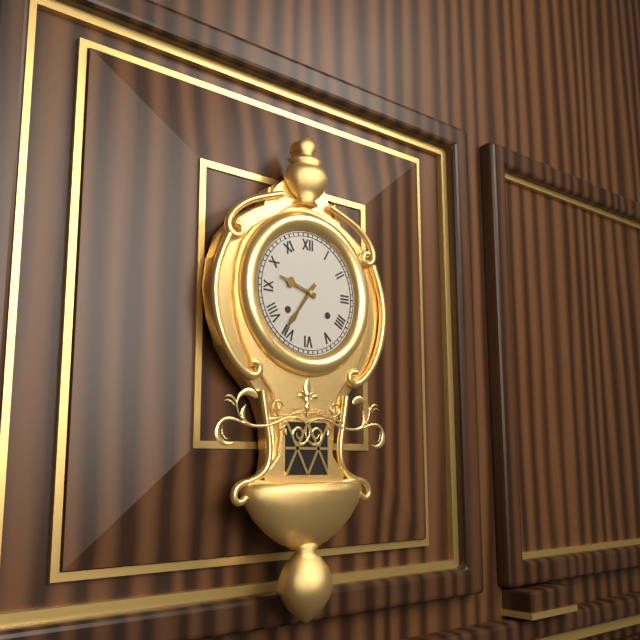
h=9 m=36
